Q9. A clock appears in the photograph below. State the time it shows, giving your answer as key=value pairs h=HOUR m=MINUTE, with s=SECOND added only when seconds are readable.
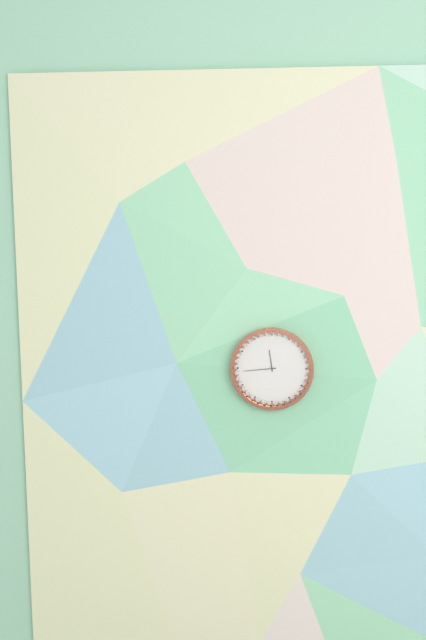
h=11 m=44
